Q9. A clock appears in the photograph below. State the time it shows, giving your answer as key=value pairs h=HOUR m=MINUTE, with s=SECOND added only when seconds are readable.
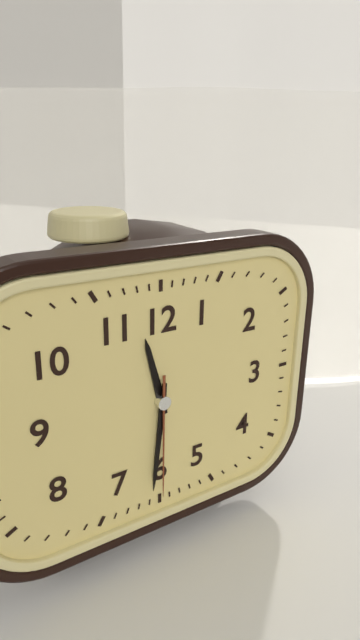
h=11 m=31 s=30
